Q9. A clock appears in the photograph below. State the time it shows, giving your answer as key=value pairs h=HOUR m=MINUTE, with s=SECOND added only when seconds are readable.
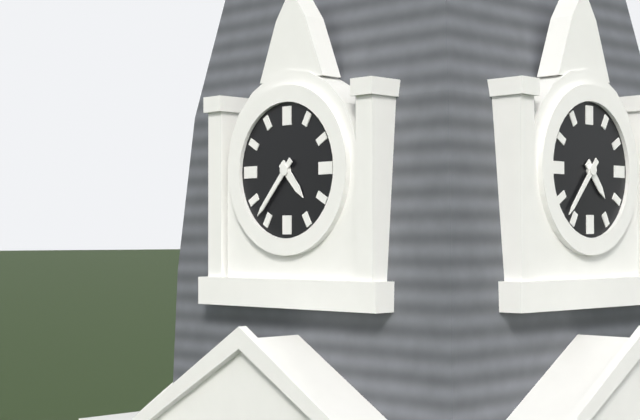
h=4 m=37
